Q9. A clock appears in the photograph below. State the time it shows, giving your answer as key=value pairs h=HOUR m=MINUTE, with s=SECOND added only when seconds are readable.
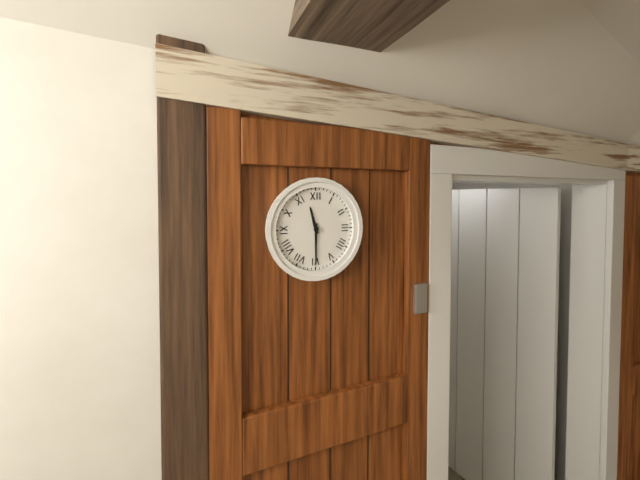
h=11 m=30
